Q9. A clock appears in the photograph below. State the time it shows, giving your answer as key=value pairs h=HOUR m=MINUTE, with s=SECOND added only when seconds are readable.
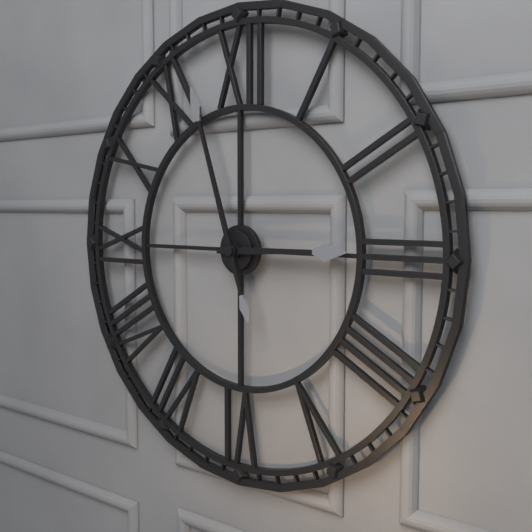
h=2 m=57
